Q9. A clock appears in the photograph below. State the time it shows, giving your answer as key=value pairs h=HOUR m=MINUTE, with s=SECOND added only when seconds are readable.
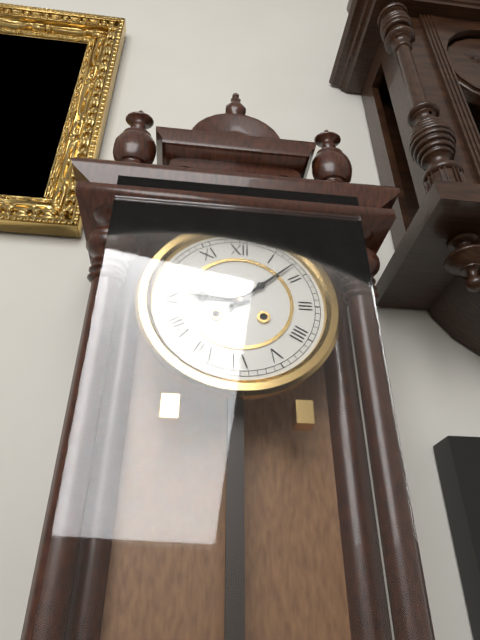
h=9 m=8
